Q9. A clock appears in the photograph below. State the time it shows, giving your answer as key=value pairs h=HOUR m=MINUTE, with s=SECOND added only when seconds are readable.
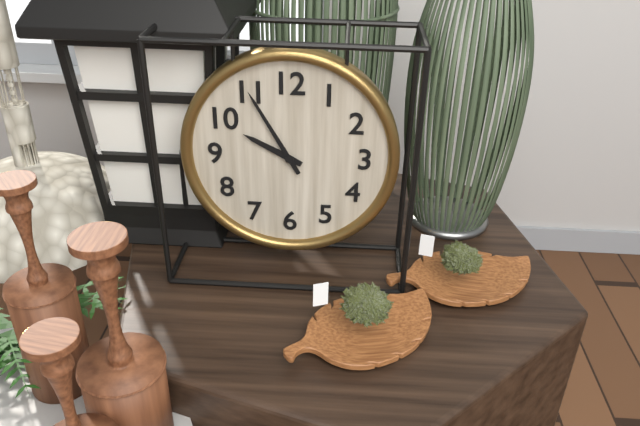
h=9 m=55
